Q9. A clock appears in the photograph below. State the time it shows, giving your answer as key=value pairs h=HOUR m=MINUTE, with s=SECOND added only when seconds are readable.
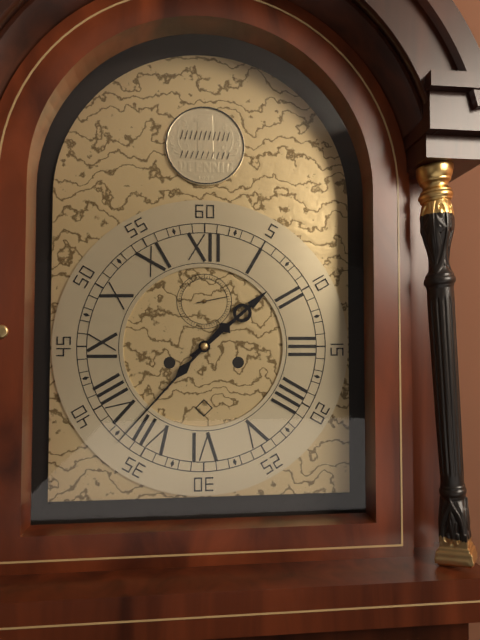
h=1 m=37
